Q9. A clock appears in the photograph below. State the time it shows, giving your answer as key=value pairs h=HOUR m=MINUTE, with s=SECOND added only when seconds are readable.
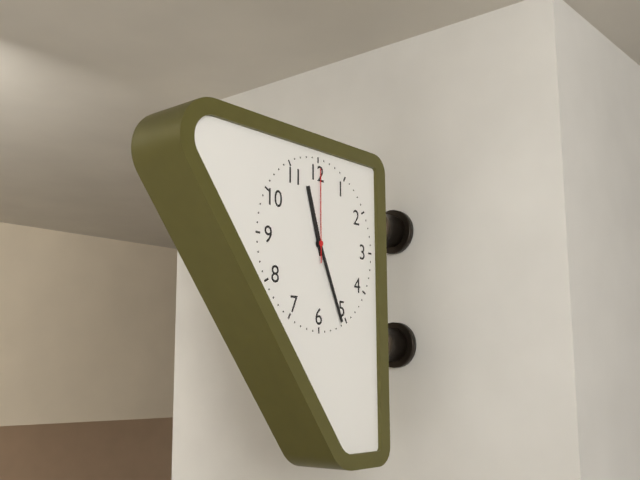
h=11 m=26 s=0
